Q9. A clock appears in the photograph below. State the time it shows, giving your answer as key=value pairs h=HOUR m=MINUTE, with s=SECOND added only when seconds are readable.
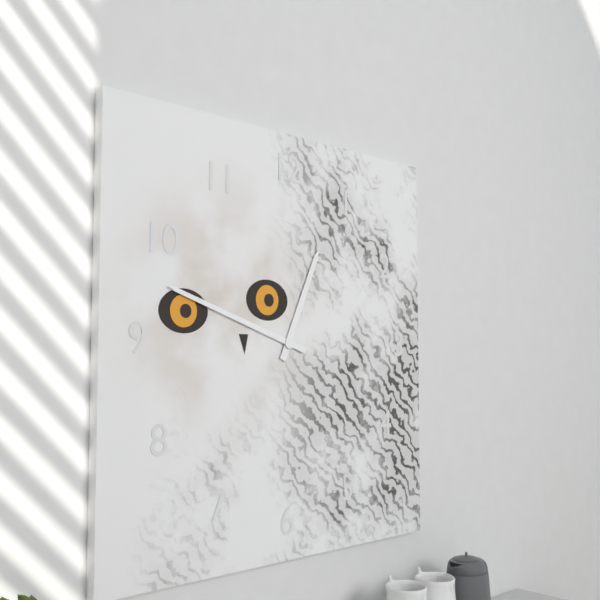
h=12 m=48
